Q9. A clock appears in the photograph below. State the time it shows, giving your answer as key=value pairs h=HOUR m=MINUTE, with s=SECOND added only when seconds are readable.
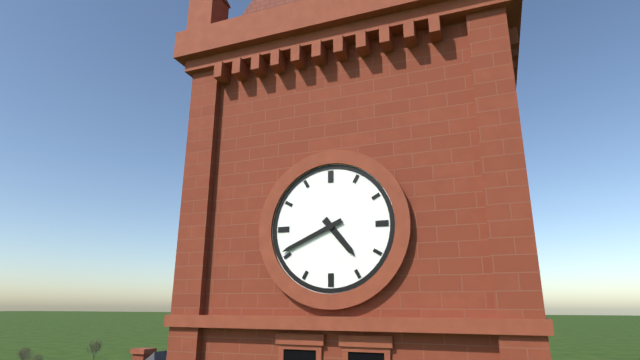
h=4 m=41
